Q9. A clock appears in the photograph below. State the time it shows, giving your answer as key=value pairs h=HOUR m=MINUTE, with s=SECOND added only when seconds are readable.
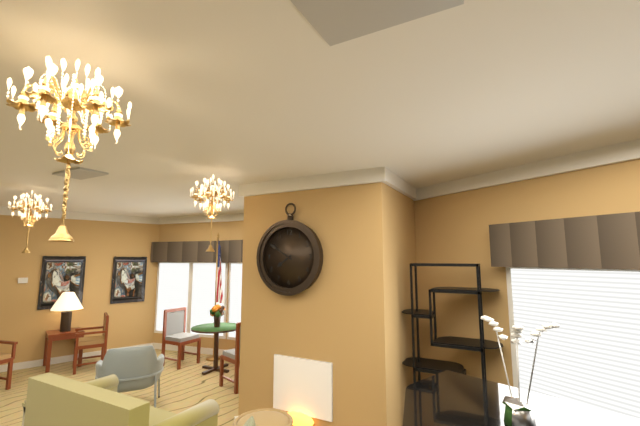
h=7 m=50
